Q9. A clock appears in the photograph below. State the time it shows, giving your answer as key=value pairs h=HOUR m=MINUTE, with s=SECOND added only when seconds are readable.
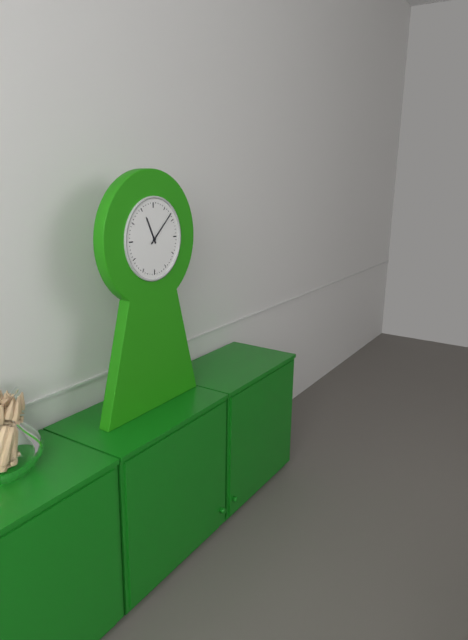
h=11 m=8
